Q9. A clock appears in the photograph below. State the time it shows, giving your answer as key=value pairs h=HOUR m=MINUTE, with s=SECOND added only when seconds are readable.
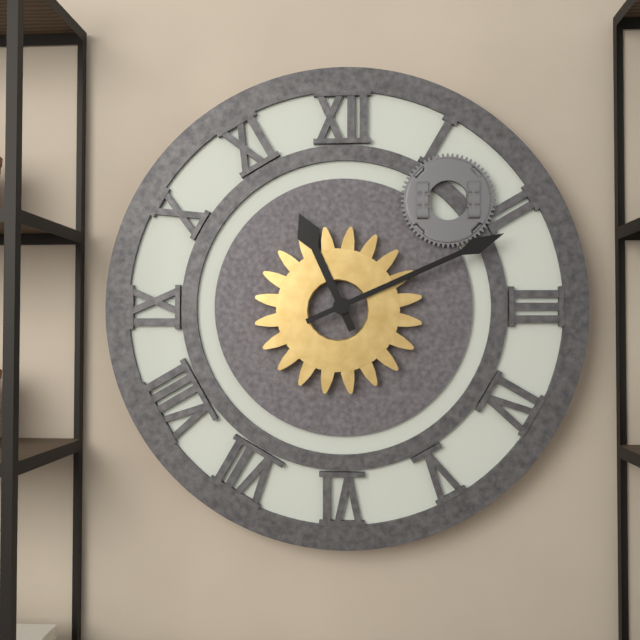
h=11 m=11
